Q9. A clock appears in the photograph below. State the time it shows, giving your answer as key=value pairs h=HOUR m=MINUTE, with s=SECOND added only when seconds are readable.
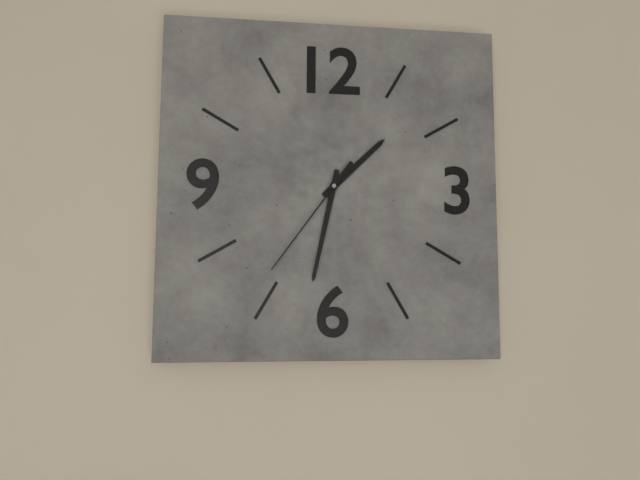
h=1 m=32 s=36
